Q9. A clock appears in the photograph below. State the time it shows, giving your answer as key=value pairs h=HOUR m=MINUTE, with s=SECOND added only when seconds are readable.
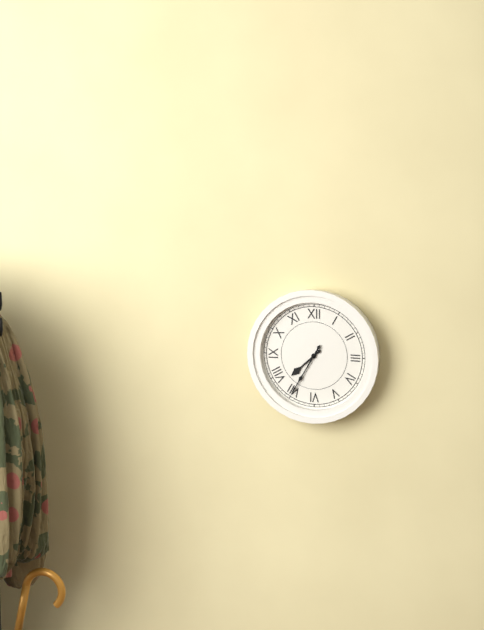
h=7 m=35
